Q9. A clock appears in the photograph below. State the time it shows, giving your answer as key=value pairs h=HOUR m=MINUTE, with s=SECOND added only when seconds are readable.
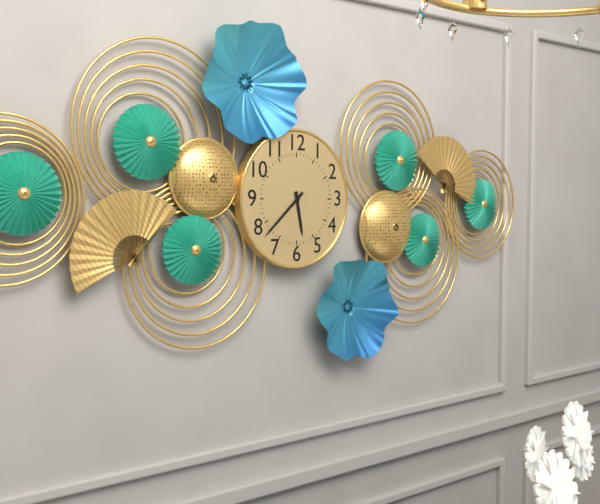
h=5 m=38
